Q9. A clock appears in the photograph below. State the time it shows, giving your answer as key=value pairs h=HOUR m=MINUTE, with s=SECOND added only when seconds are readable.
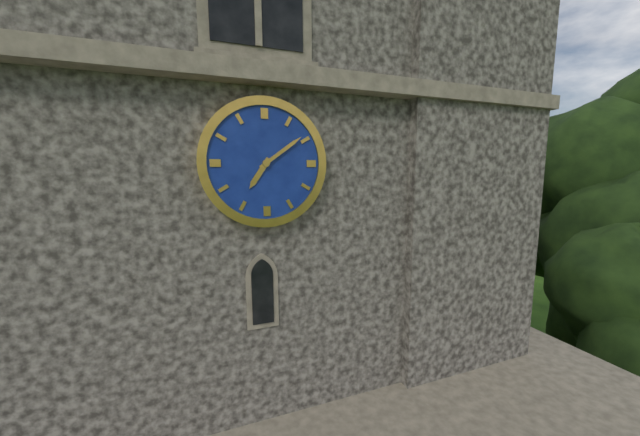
h=7 m=9
